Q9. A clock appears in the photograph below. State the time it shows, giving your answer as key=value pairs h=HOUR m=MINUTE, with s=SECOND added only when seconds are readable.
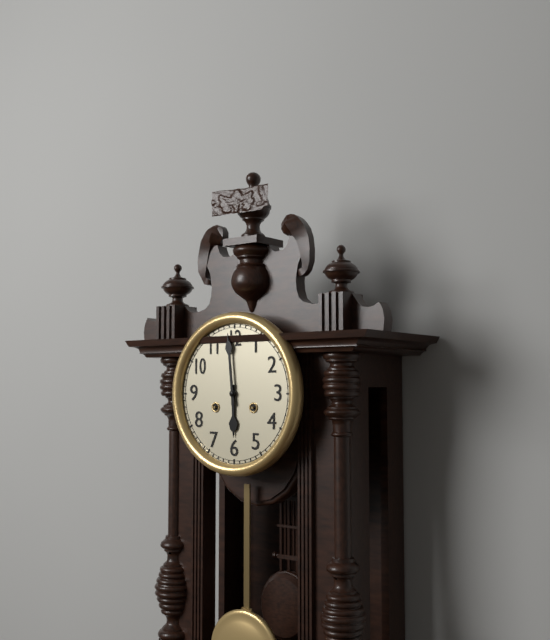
h=5 m=59
